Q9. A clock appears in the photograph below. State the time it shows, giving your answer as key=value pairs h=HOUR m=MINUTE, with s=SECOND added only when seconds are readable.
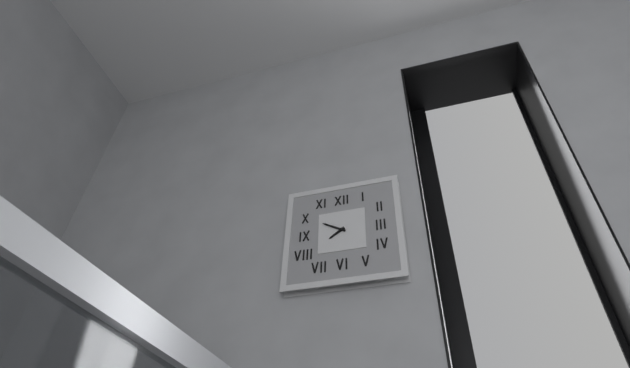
h=7 m=50
